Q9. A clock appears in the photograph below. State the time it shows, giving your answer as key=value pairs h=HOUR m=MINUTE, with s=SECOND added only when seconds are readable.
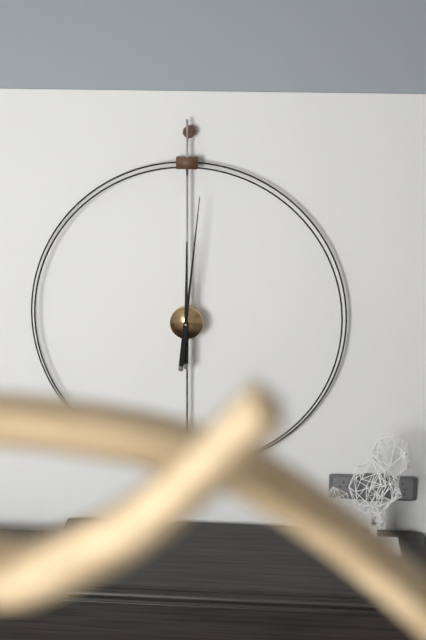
h=12 m=1
